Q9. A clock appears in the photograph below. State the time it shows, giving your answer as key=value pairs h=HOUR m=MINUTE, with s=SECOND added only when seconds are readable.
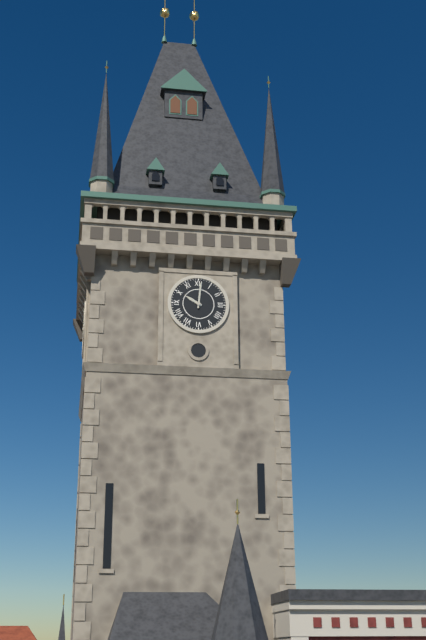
h=10 m=1
